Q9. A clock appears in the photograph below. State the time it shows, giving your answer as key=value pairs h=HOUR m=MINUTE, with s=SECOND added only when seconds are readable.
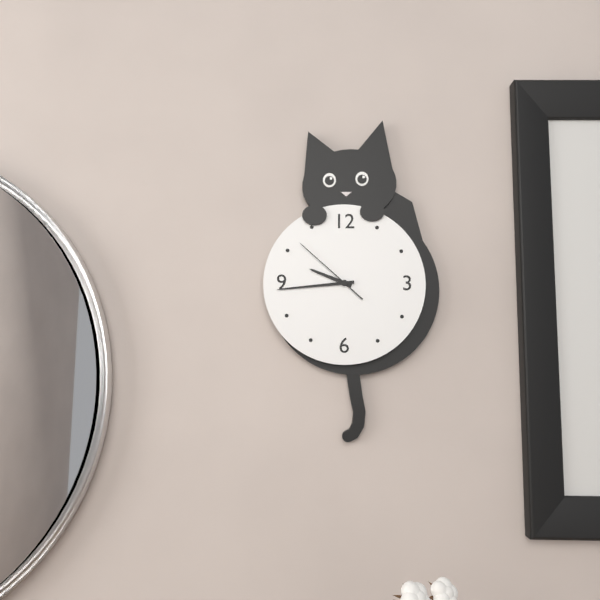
h=9 m=44 s=52
